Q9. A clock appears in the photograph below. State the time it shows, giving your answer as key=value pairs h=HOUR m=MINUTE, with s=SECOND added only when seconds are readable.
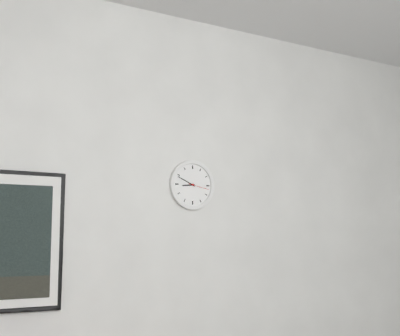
h=8 m=49
